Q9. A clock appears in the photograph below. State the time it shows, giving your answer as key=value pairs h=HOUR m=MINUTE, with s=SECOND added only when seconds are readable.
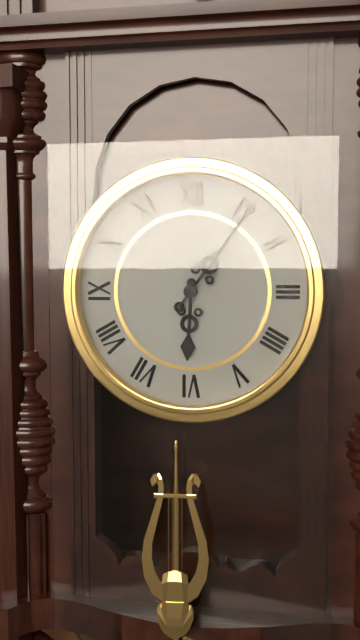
h=6 m=6
